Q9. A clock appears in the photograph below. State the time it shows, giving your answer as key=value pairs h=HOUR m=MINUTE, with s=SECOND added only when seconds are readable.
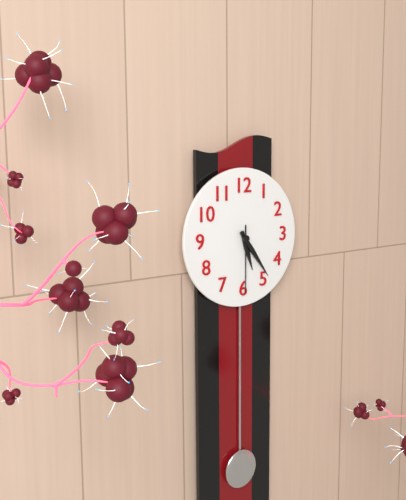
h=5 m=24 s=30
